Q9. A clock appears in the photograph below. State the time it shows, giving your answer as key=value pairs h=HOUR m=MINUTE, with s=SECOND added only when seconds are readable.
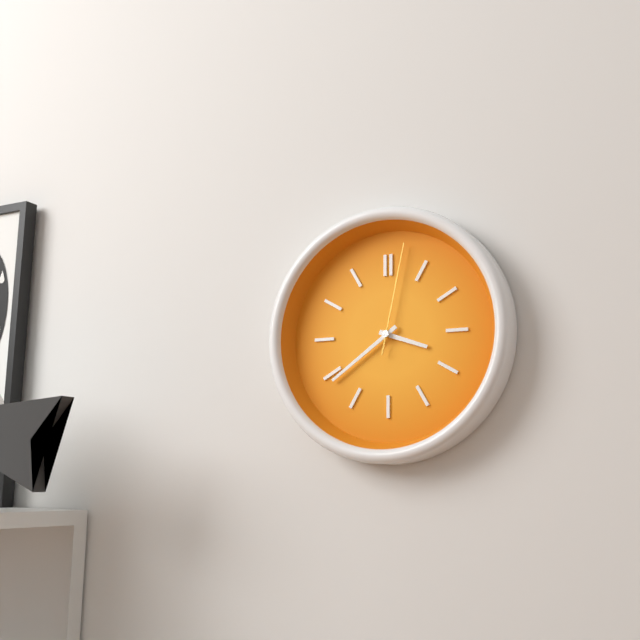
h=3 m=39 s=2
